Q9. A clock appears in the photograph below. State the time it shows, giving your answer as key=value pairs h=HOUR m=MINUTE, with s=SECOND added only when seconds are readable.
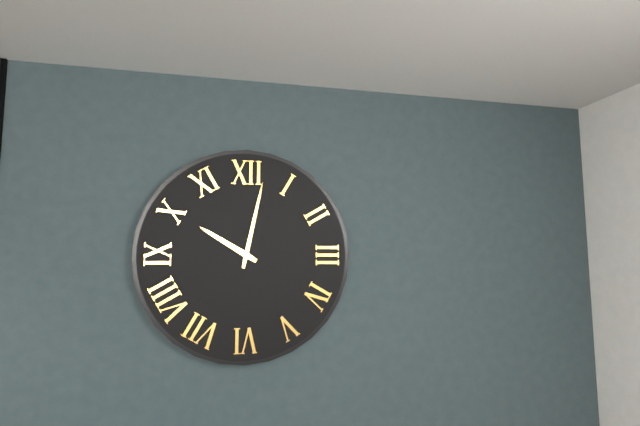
h=10 m=2
